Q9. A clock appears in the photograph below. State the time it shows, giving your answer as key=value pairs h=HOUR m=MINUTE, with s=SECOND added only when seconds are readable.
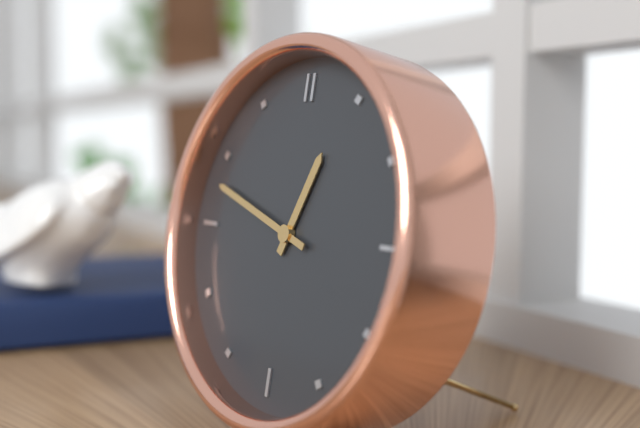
h=12 m=48
